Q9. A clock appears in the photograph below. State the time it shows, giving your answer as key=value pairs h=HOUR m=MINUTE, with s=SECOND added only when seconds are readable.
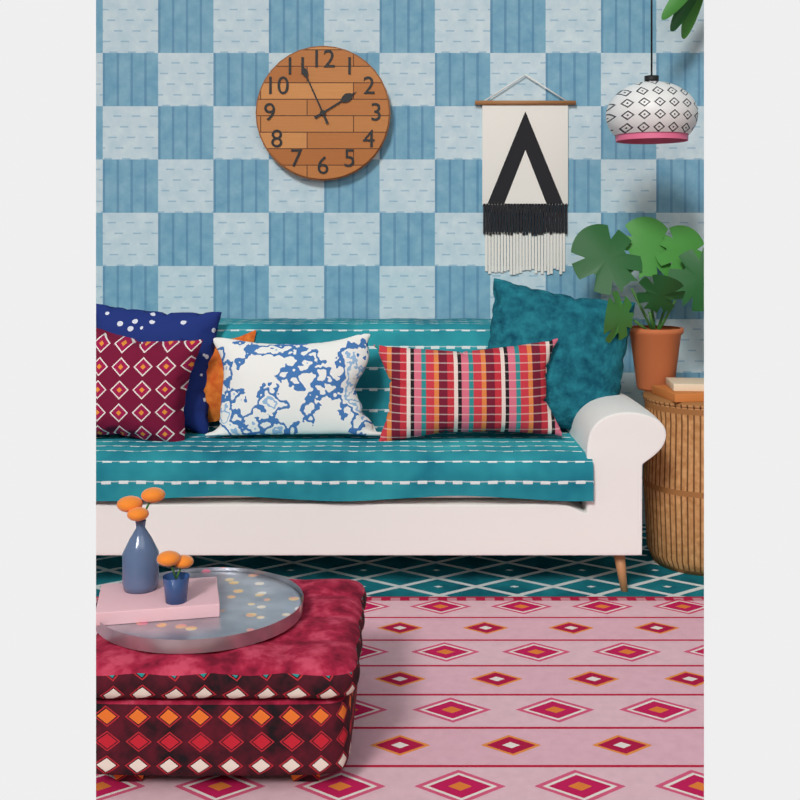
h=1 m=56
